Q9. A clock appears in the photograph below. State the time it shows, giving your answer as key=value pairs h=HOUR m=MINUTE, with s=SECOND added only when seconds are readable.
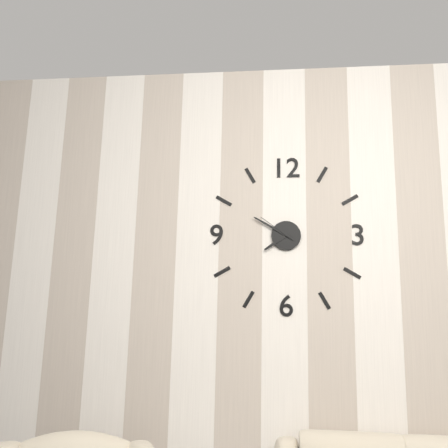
h=7 m=50
